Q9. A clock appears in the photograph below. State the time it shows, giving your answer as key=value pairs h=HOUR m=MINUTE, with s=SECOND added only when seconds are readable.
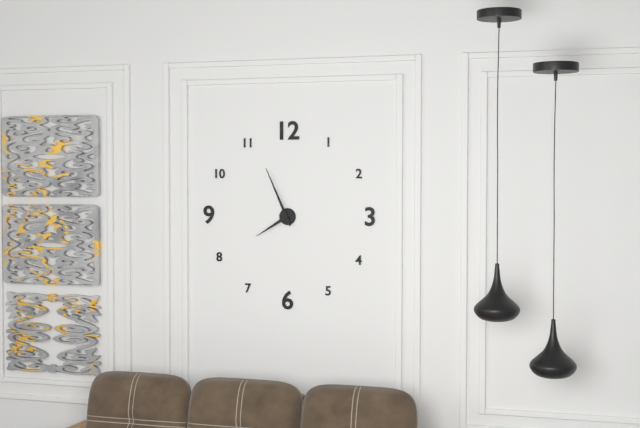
h=7 m=56
